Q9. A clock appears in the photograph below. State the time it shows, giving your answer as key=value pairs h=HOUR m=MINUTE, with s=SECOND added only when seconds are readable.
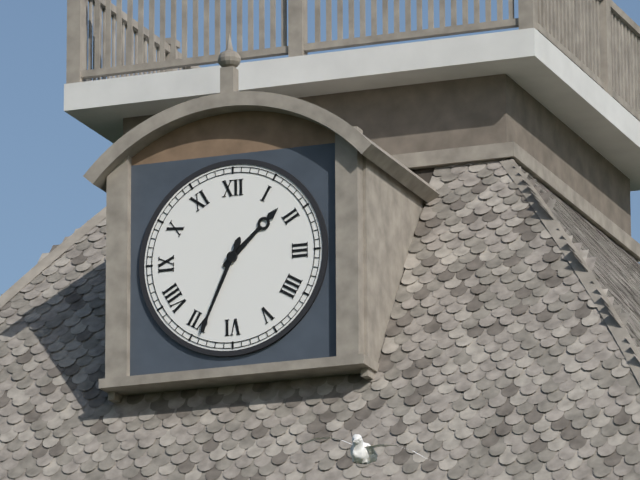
h=1 m=34
